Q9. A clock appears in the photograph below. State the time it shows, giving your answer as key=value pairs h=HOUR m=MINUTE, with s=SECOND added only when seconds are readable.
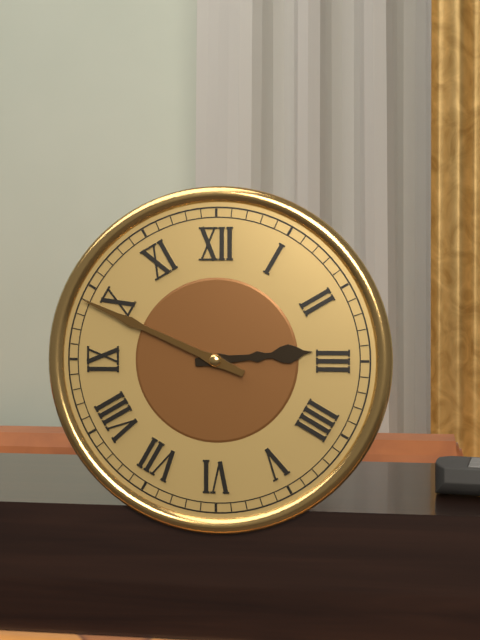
h=2 m=49
